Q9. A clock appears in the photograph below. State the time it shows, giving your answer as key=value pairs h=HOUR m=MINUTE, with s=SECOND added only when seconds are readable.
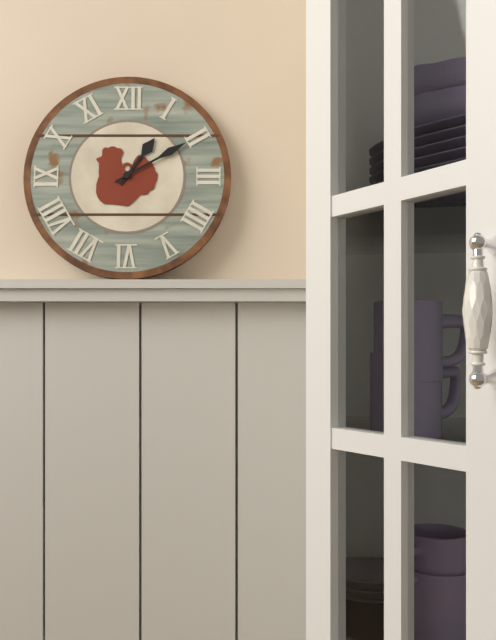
h=1 m=10
